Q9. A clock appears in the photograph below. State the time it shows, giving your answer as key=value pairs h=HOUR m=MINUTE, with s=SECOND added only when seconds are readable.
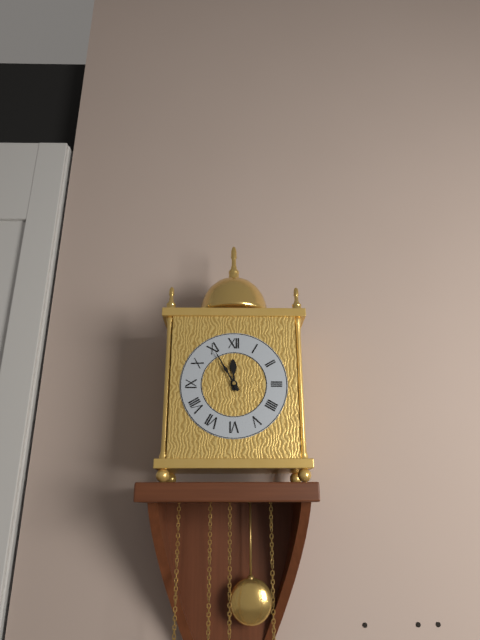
h=11 m=55
